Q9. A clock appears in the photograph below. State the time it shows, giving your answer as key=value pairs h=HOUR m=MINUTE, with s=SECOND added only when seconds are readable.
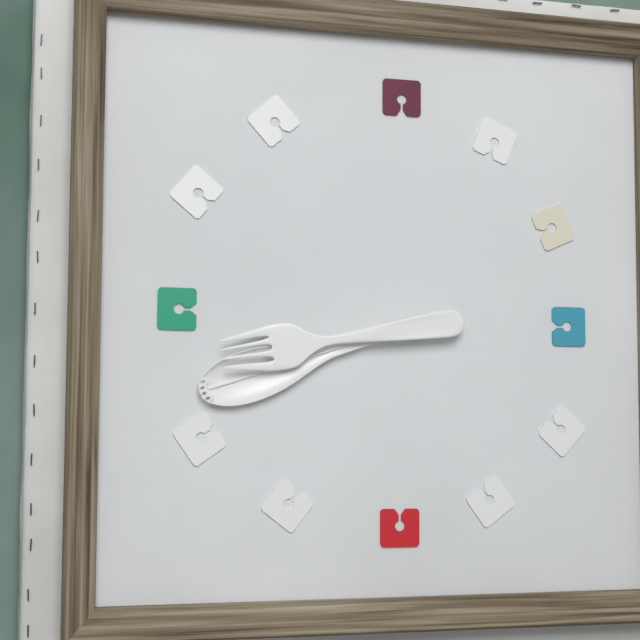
h=8 m=42
